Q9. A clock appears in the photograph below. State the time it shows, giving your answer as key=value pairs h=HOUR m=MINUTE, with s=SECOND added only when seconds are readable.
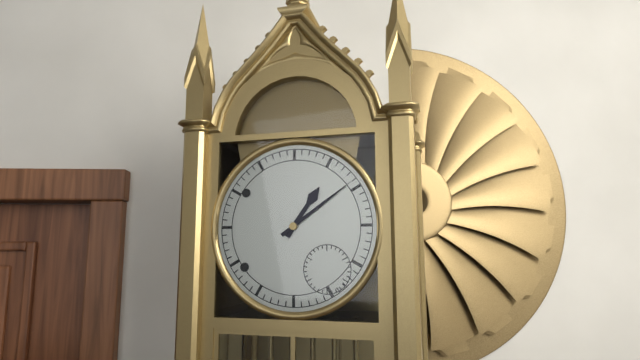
h=1 m=9
